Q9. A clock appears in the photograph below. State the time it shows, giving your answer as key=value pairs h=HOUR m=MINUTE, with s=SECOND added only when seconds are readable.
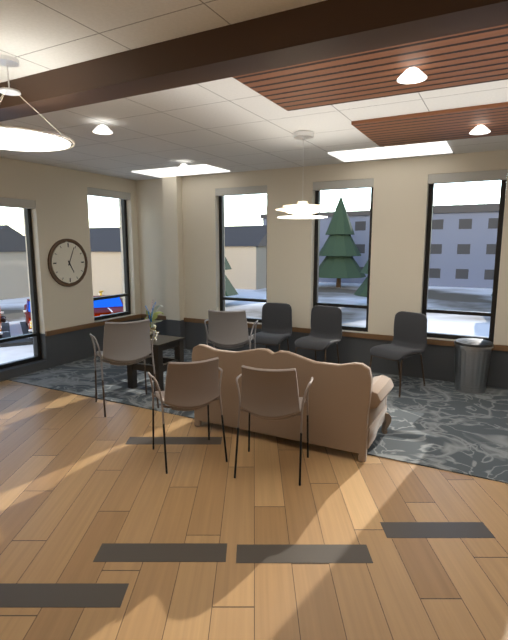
h=5 m=4
